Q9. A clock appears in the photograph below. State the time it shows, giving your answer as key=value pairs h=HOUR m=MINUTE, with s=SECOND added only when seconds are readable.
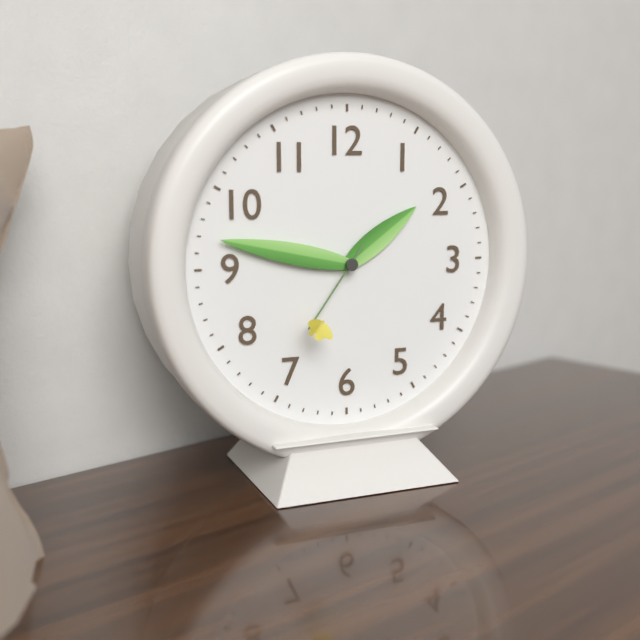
h=1 m=47 s=36
